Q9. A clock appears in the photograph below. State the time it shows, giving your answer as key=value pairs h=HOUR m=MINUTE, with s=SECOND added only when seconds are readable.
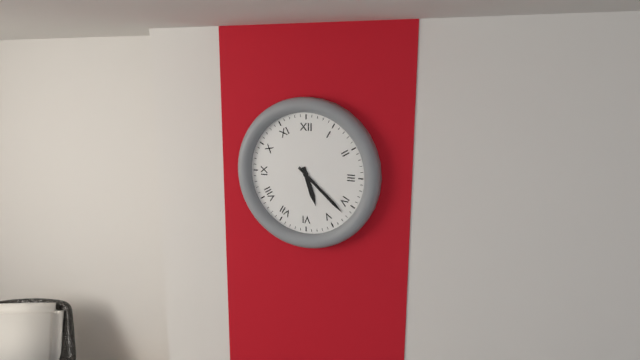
h=5 m=22
